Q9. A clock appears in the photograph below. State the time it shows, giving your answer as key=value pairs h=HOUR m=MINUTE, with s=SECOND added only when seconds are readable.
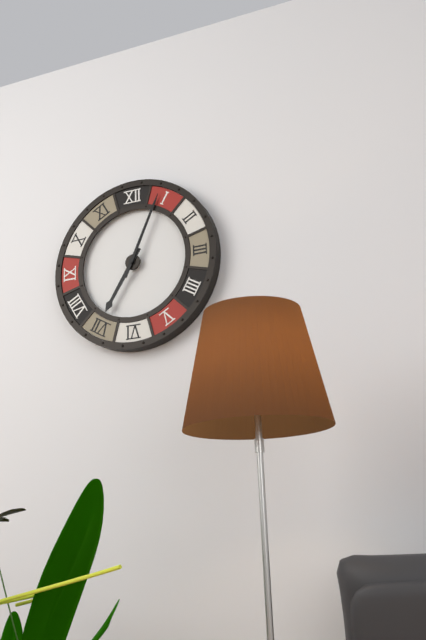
h=7 m=4
